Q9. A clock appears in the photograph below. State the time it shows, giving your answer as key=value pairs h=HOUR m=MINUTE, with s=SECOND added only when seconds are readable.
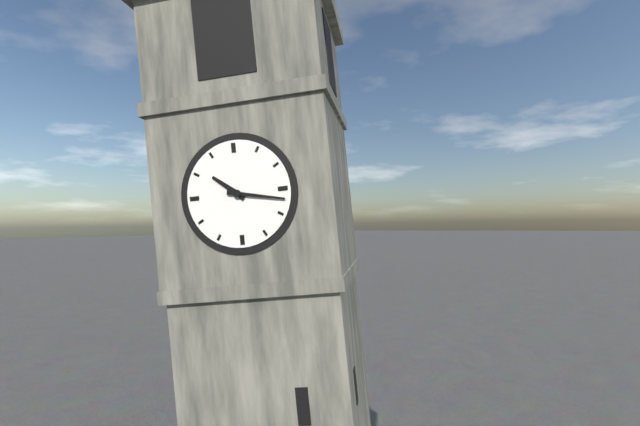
h=10 m=17
